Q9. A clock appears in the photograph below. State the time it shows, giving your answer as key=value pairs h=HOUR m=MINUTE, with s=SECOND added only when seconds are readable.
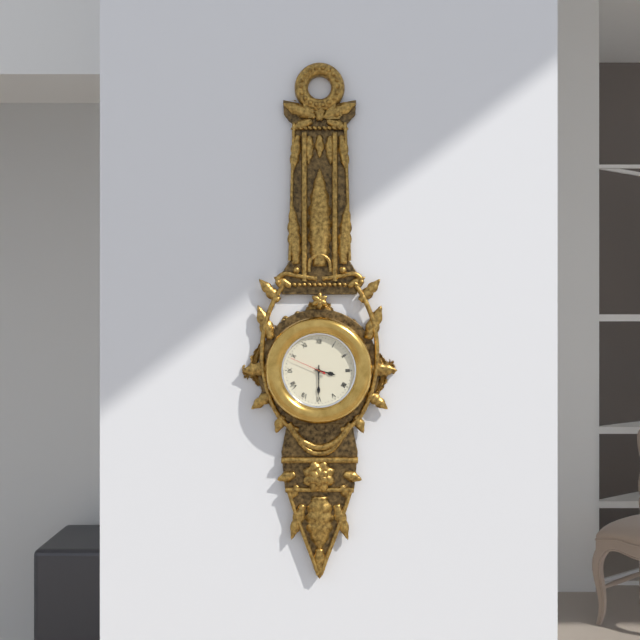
h=3 m=30
